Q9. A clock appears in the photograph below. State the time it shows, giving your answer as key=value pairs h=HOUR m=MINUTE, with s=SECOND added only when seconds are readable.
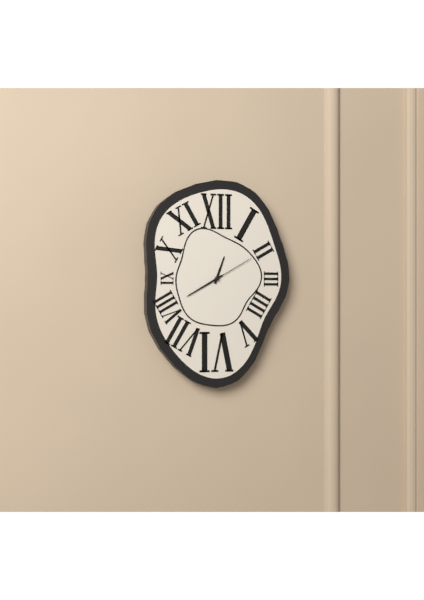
h=12 m=40 s=10
